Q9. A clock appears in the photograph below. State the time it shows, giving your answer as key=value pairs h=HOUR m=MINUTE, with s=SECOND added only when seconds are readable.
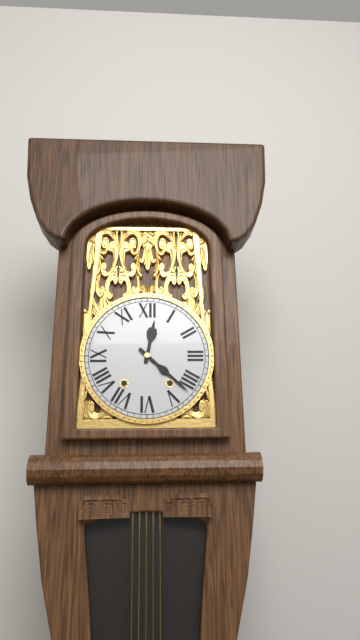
h=12 m=22
